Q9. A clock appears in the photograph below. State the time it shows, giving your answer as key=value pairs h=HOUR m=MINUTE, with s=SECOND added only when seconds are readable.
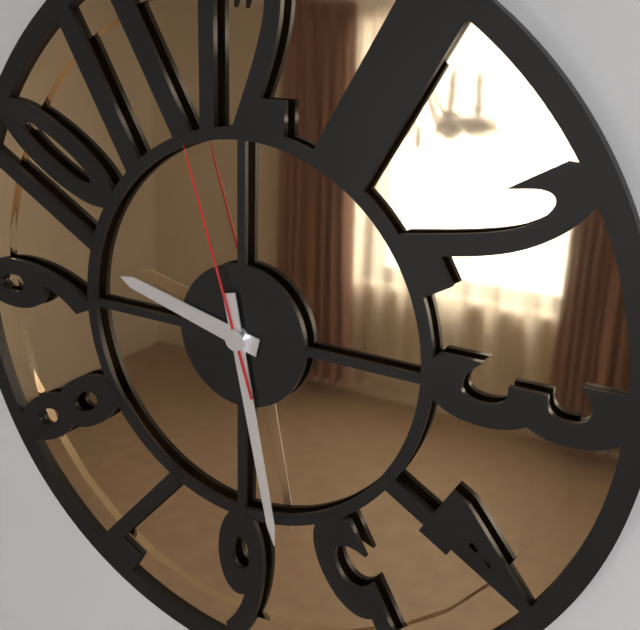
h=9 m=28 s=57
